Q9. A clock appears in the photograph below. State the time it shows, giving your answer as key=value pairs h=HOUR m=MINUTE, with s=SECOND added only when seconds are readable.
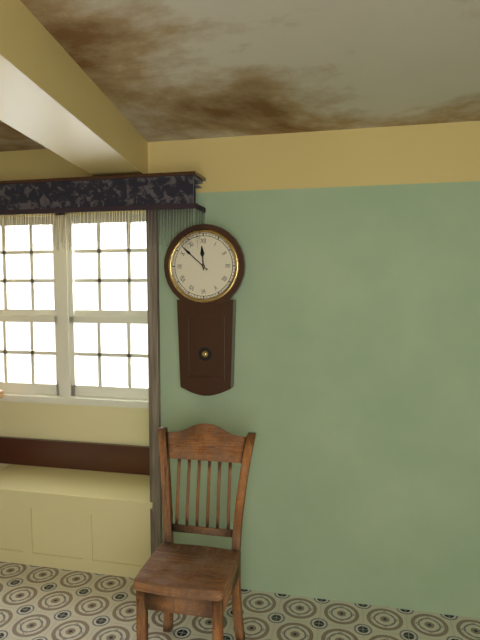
h=11 m=52
